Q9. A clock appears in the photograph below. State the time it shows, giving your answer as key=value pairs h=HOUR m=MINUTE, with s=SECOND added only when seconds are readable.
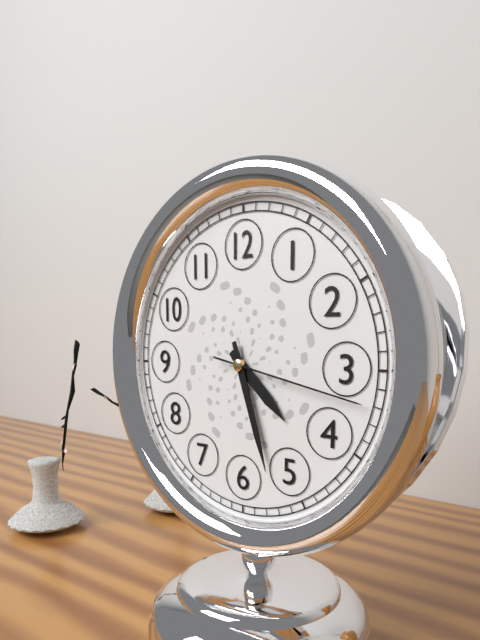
h=4 m=27 s=17
